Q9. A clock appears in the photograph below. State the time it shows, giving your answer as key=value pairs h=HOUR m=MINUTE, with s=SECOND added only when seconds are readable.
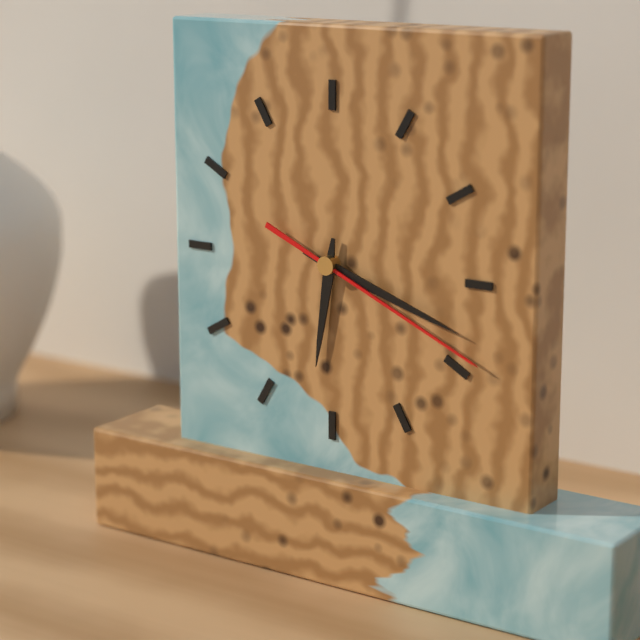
h=6 m=18 s=19
